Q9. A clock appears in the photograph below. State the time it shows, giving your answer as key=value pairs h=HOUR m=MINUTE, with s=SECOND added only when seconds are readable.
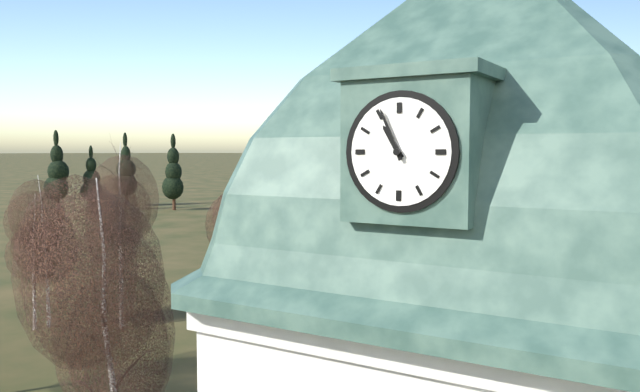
h=10 m=56
